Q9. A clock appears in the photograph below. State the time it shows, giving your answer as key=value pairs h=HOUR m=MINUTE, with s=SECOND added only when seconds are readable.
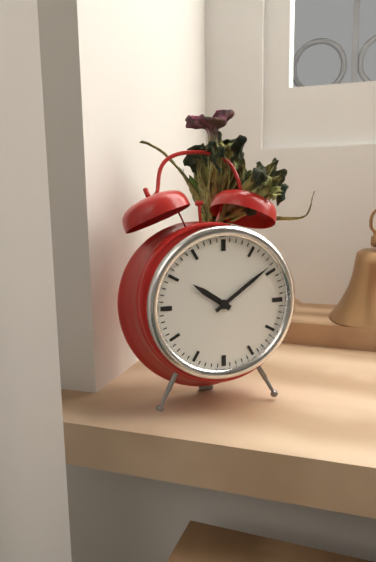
h=10 m=9
